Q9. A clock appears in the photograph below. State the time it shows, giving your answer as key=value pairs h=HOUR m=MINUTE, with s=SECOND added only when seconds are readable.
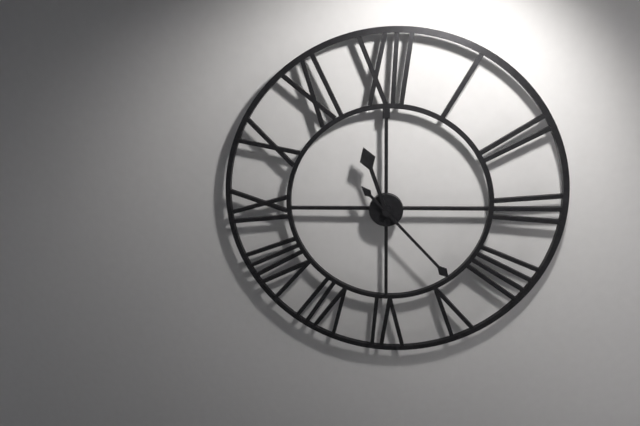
h=11 m=23
